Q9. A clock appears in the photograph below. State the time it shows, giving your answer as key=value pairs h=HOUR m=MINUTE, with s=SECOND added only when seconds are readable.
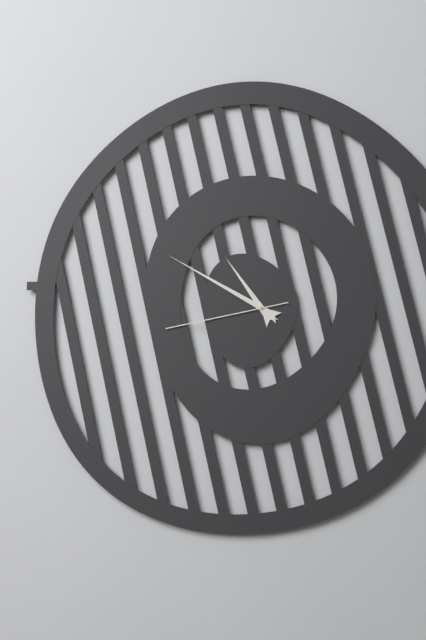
h=10 m=50 s=43
